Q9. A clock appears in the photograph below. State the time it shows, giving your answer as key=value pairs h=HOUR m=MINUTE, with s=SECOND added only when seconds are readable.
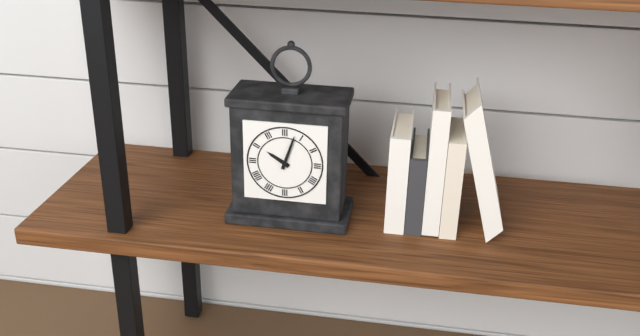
h=10 m=3
